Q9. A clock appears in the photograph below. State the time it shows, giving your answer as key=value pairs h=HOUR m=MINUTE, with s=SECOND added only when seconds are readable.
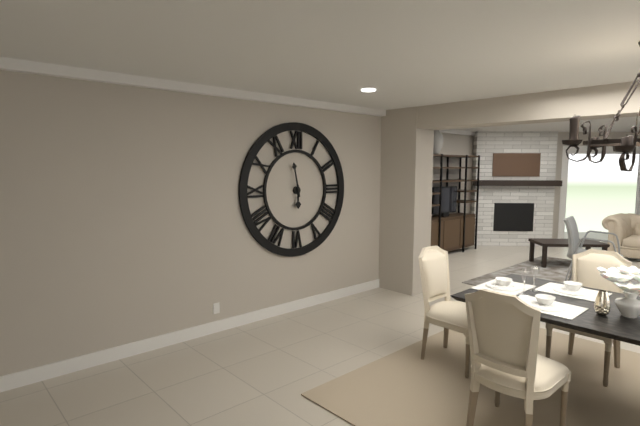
h=5 m=58
